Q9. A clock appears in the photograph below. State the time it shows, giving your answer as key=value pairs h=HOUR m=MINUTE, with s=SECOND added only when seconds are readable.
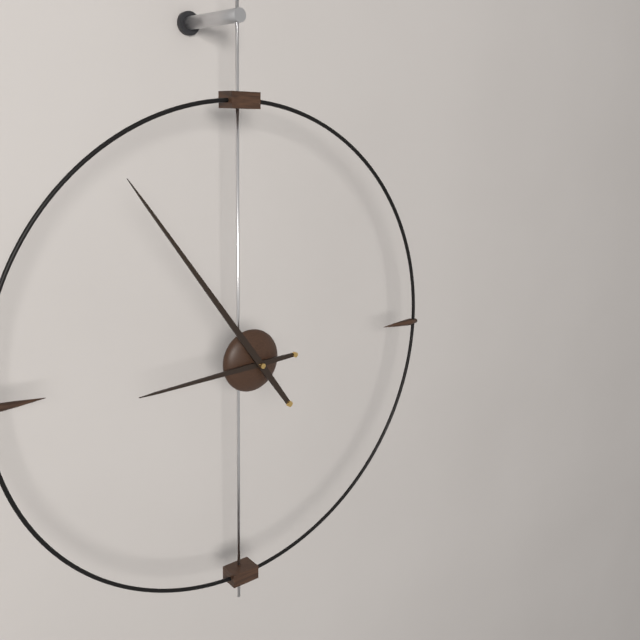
h=8 m=54
